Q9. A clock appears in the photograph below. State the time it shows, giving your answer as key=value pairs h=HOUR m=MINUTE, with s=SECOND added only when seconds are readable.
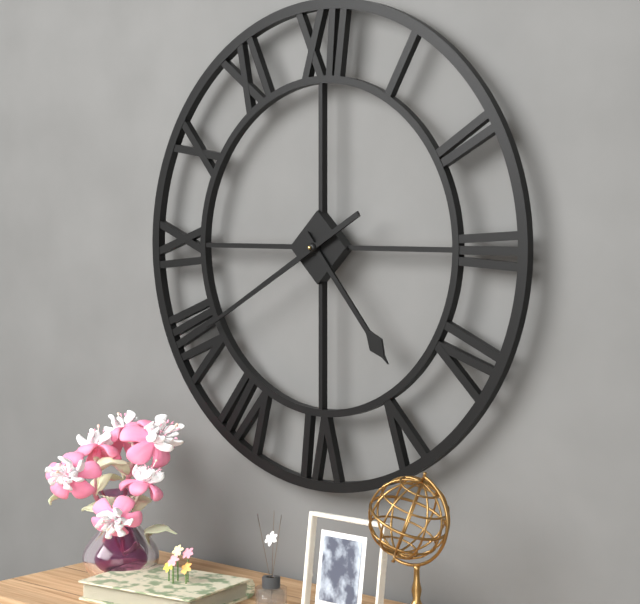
h=4 m=40
